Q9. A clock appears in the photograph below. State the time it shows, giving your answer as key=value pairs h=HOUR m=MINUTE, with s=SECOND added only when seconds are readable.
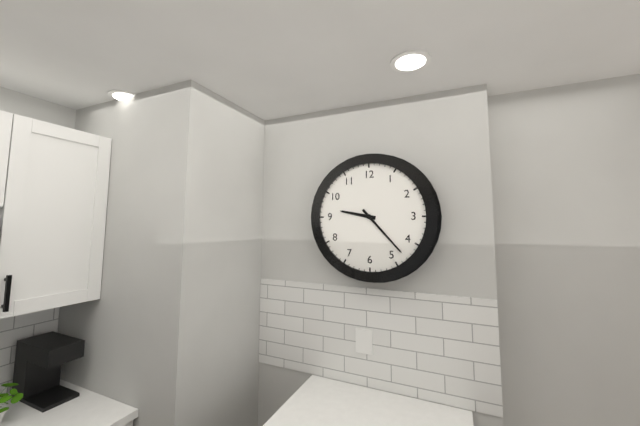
h=9 m=23
